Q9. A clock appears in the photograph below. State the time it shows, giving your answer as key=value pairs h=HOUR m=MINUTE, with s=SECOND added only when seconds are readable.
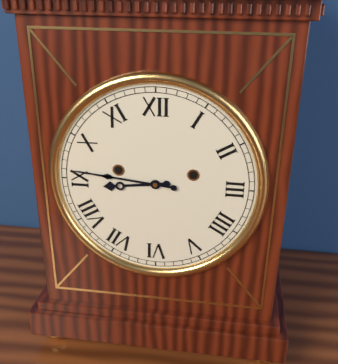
h=8 m=46
